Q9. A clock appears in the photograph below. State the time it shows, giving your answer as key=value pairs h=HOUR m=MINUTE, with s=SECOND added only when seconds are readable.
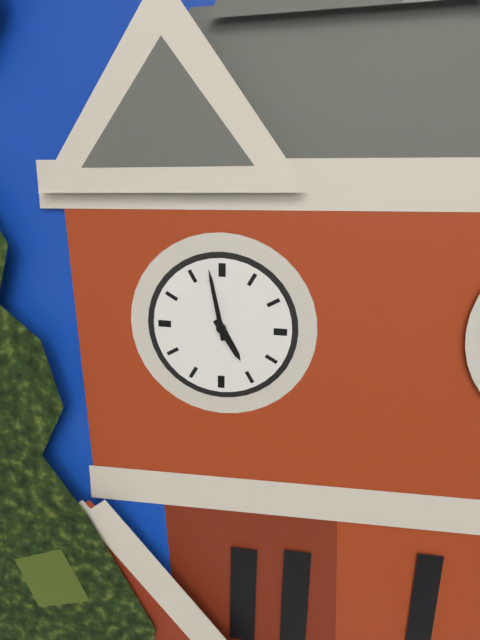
h=4 m=58
